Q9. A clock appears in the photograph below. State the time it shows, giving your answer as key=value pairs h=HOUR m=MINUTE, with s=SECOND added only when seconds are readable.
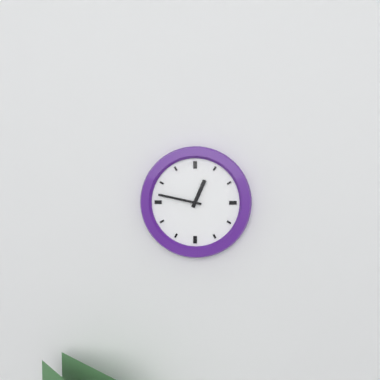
h=12 m=47
